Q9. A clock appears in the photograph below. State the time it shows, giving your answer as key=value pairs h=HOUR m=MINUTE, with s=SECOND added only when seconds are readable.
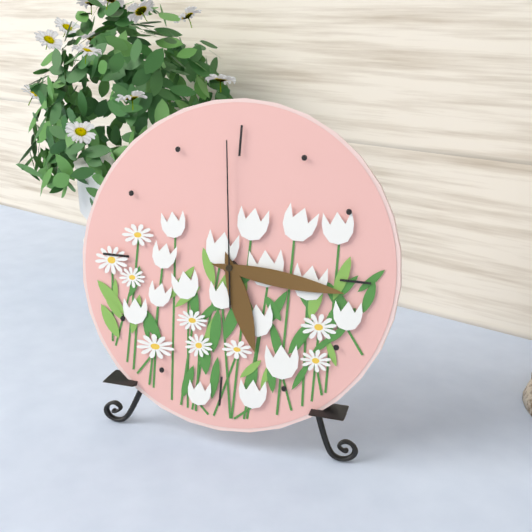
h=5 m=16 s=59
